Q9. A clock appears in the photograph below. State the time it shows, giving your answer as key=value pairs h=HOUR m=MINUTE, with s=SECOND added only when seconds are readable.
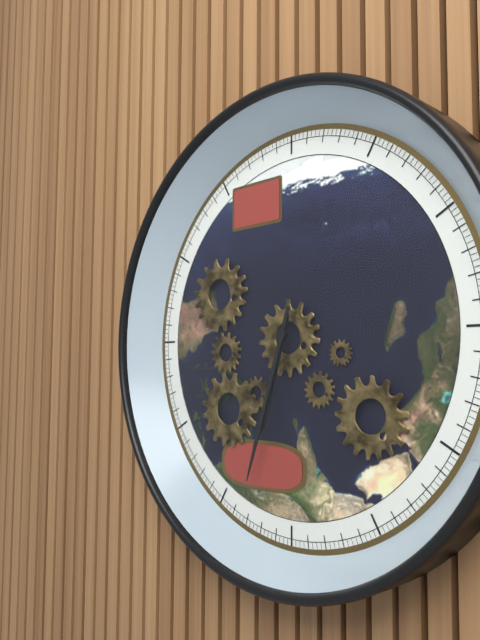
h=6 m=33
